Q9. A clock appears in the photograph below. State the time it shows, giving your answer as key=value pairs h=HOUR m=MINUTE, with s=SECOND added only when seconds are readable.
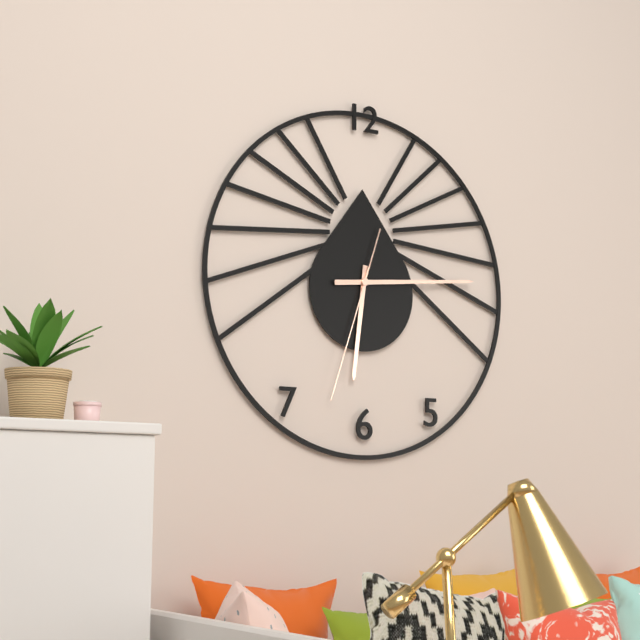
h=6 m=14 s=33
